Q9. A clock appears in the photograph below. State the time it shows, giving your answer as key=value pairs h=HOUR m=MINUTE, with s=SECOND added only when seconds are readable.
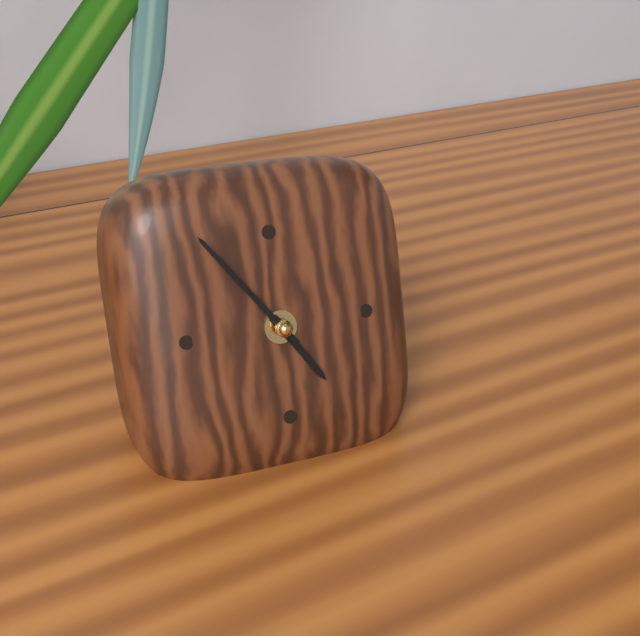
h=4 m=54
